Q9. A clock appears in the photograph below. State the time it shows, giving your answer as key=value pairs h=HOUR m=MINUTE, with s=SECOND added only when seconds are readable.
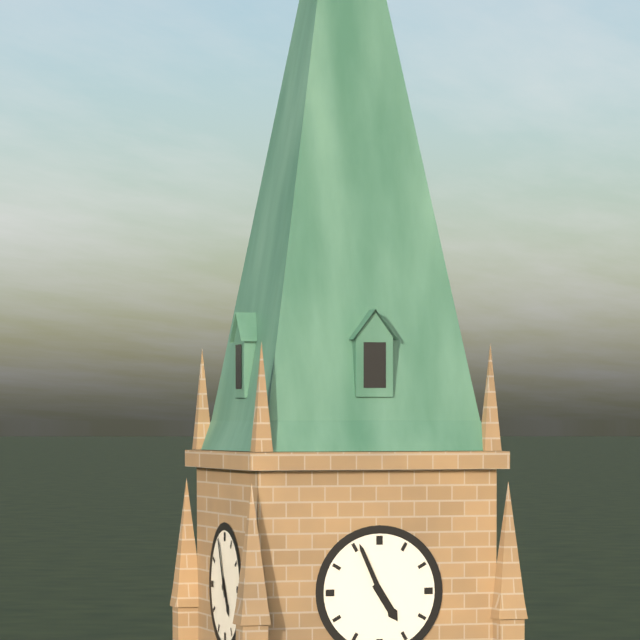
h=4 m=56
